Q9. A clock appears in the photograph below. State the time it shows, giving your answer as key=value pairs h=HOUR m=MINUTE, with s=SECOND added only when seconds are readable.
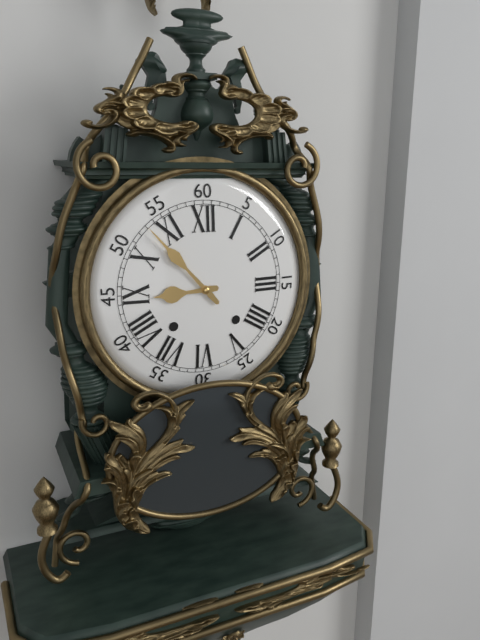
h=8 m=53
